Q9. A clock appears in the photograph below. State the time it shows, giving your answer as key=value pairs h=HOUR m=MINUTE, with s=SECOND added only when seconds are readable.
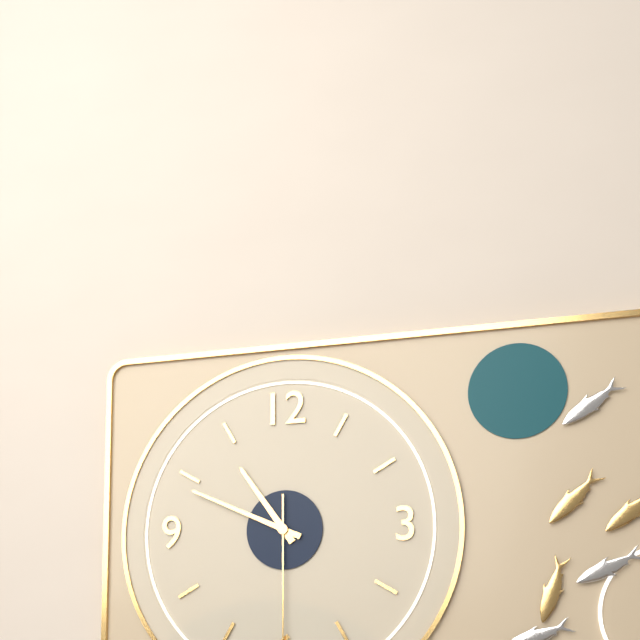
h=10 m=49
